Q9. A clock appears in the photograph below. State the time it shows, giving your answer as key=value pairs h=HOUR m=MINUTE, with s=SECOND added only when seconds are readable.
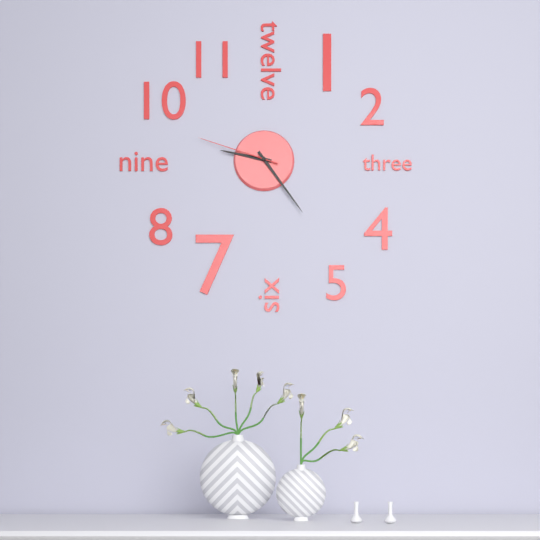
h=9 m=24 s=48
